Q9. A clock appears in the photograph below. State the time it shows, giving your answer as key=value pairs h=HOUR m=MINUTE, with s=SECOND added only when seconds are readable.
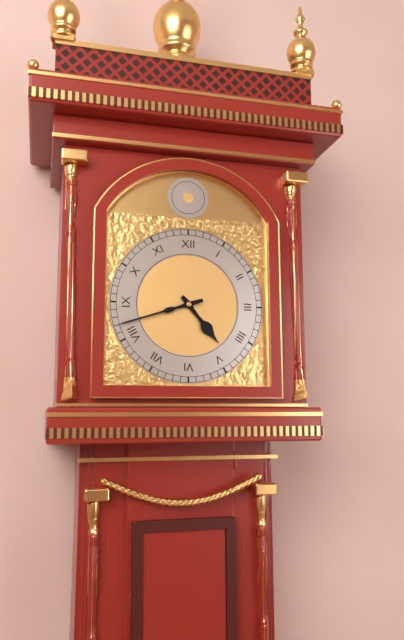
h=4 m=42
